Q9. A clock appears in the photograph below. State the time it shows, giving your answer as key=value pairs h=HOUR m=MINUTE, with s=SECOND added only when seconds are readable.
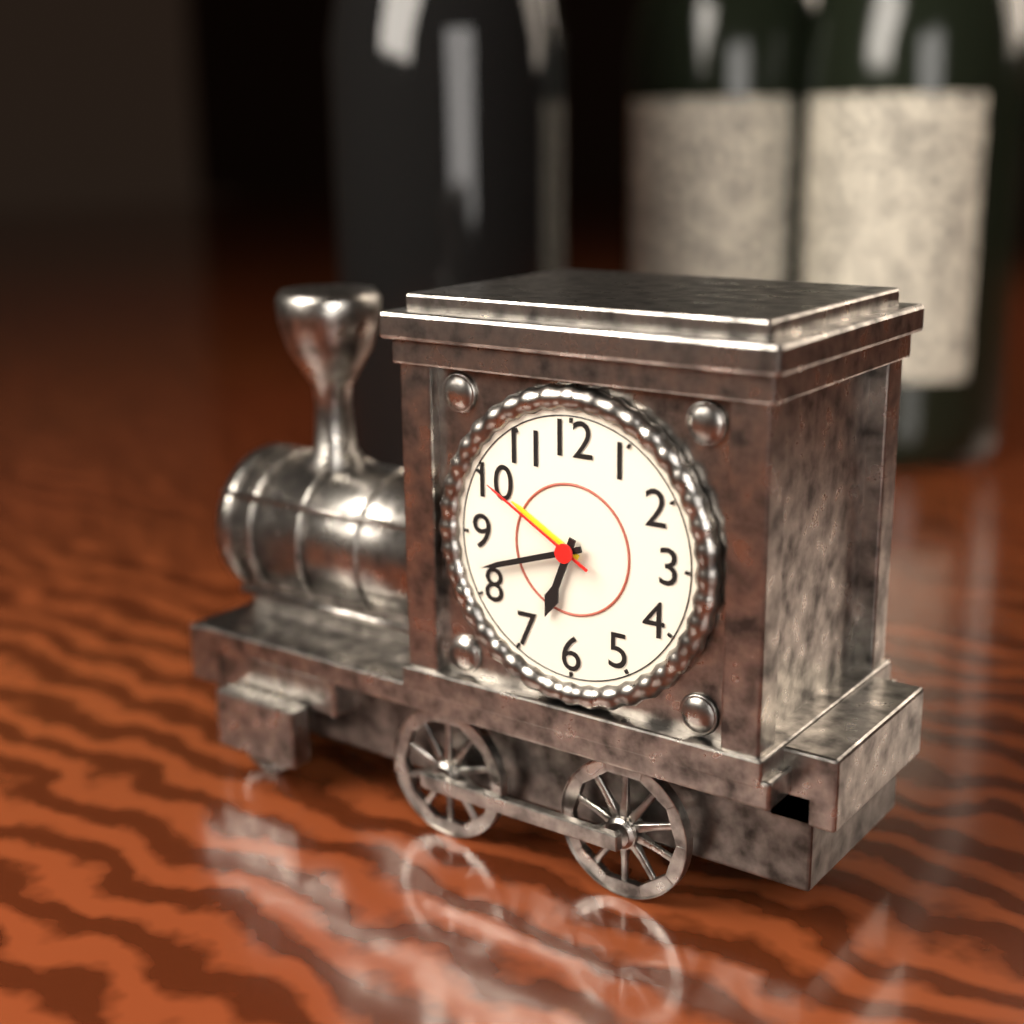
h=6 m=42 s=50
